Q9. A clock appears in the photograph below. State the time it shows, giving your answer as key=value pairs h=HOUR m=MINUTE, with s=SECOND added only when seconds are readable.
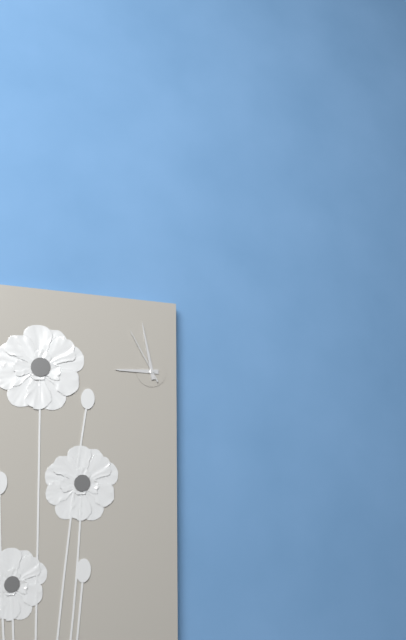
h=8 m=58 s=55
